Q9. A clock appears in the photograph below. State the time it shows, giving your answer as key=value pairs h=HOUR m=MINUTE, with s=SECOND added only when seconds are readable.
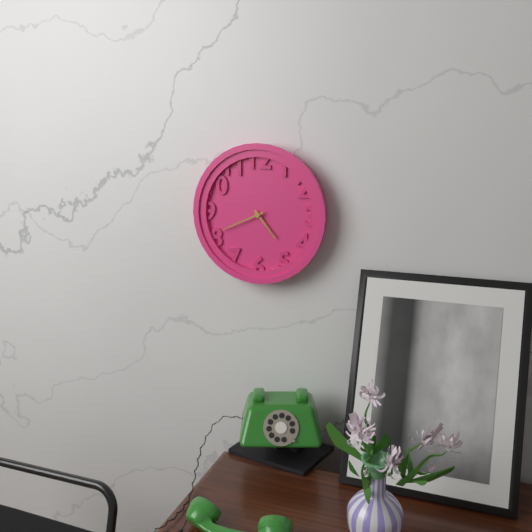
h=4 m=41
